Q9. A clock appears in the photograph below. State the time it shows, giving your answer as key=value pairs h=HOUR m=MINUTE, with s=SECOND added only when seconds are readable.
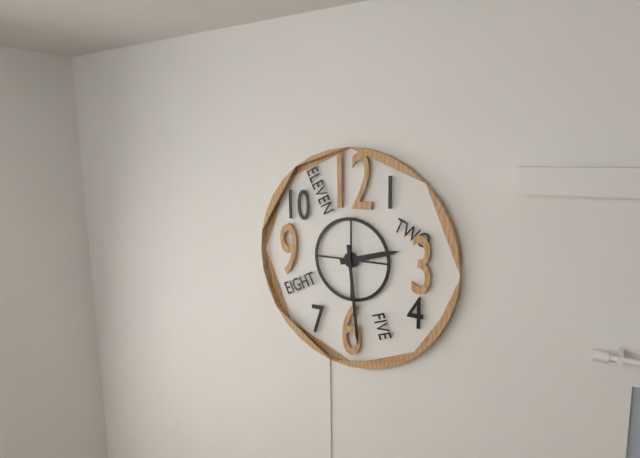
h=2 m=29
